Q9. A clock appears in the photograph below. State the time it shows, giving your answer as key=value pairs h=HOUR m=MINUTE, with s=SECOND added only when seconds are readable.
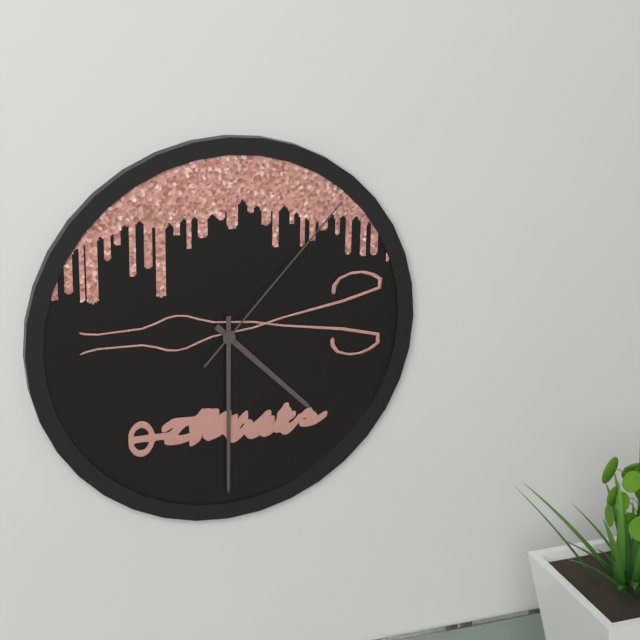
h=4 m=30 s=7
